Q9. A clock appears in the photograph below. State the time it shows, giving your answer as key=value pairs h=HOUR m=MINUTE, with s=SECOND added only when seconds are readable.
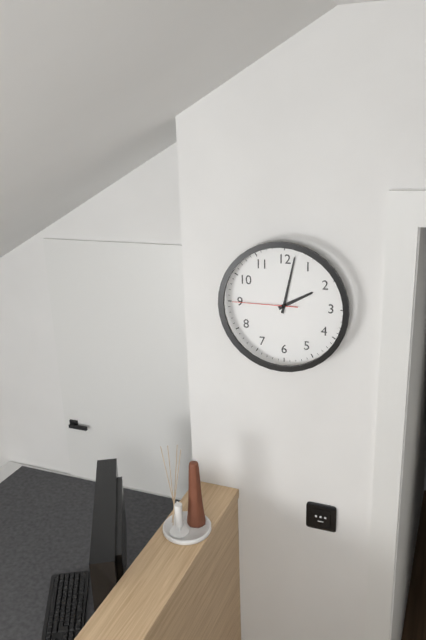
h=2 m=2 s=45
